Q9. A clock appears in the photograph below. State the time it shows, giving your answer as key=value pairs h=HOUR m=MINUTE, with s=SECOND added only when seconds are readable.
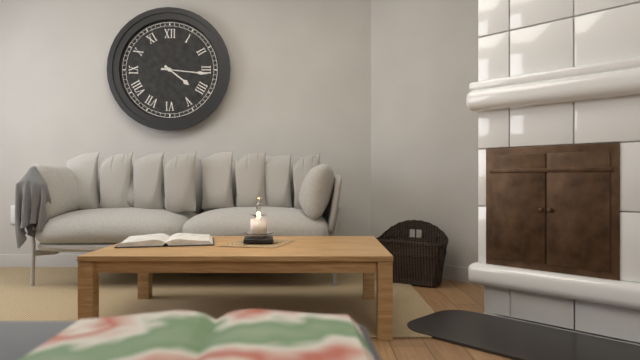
h=4 m=16
